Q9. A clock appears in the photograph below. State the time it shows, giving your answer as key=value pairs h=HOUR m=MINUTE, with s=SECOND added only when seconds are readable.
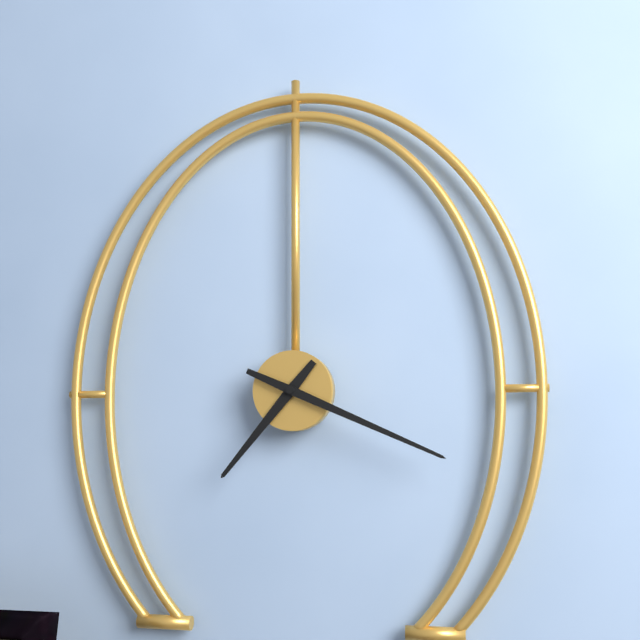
h=7 m=19
